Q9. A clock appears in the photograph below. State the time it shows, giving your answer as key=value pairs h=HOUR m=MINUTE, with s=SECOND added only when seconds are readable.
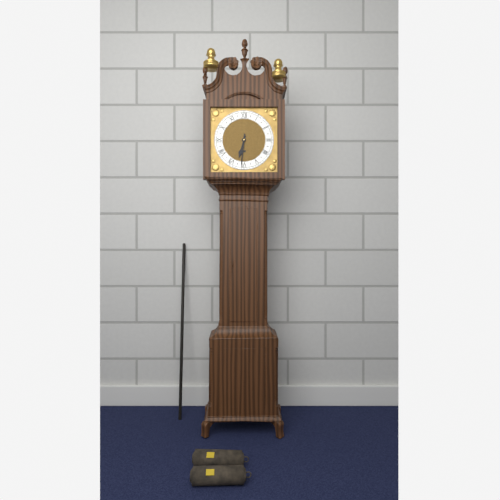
h=6 m=31
